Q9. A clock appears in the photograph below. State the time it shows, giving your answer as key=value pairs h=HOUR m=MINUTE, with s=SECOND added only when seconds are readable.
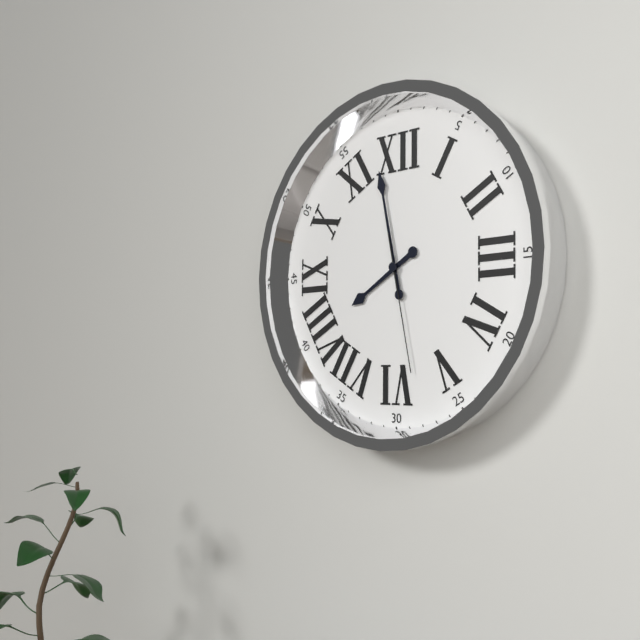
h=7 m=58 s=28
